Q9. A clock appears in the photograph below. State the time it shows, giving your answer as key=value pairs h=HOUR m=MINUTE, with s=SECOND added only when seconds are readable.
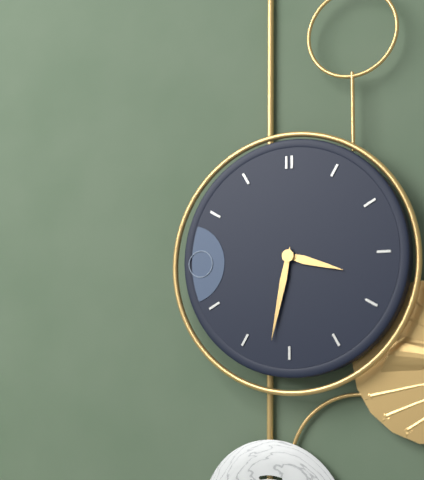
h=3 m=32
